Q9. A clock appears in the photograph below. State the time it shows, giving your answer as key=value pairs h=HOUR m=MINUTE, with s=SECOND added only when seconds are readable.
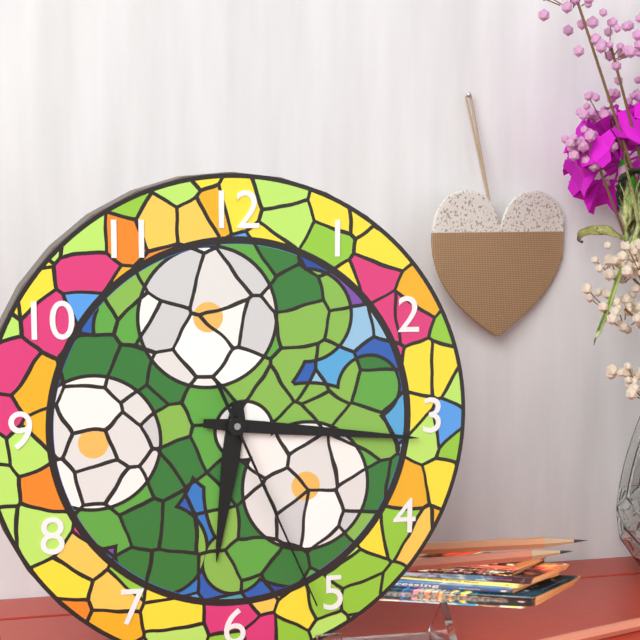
h=6 m=16 s=26
